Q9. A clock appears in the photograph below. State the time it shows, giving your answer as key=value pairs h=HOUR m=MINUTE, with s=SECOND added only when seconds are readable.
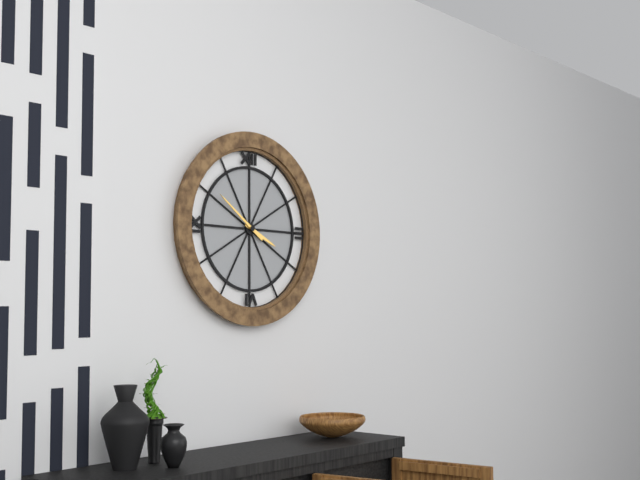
h=3 m=51
